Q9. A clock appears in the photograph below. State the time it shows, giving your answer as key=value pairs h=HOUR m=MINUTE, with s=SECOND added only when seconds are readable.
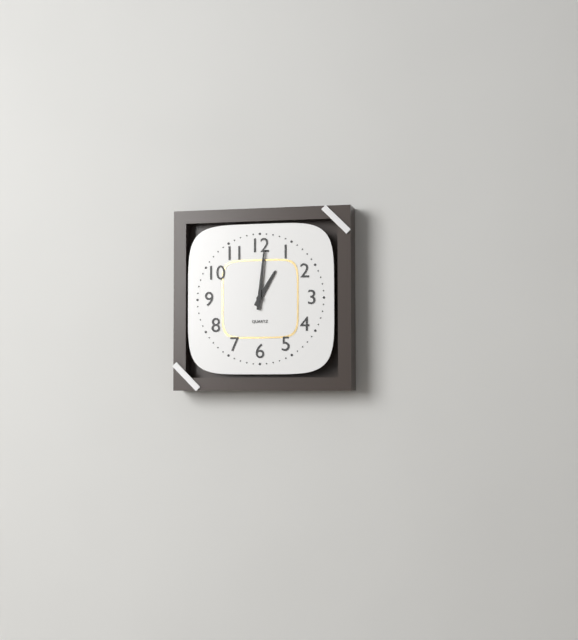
h=1 m=1
